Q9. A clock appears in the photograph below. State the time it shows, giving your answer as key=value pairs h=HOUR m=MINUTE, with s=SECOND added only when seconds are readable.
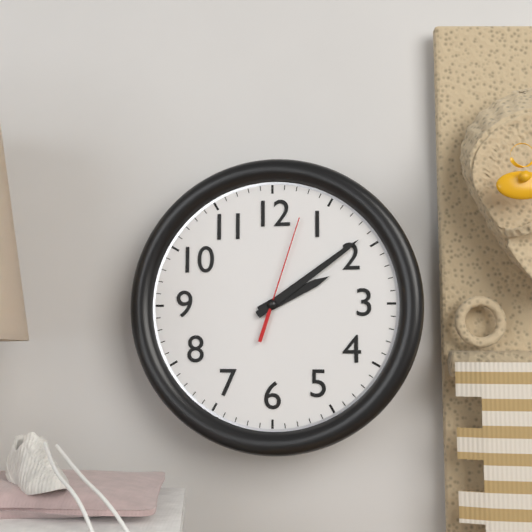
h=2 m=9 s=3
